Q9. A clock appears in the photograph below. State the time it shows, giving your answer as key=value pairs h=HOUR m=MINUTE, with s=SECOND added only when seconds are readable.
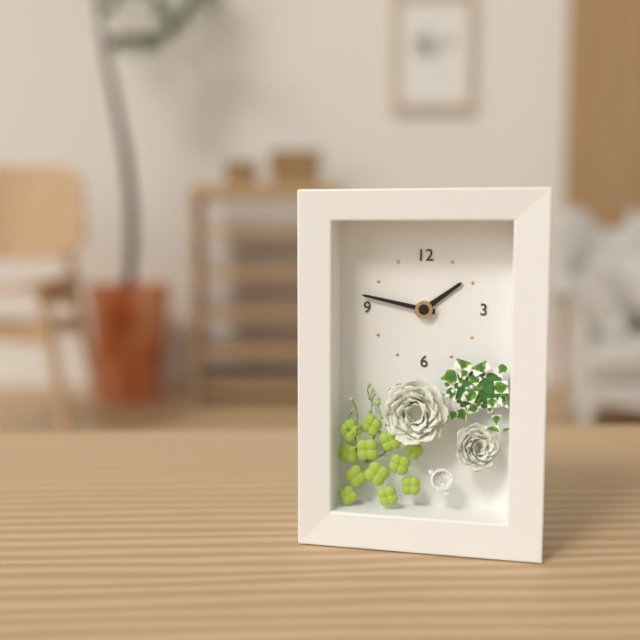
h=1 m=47
